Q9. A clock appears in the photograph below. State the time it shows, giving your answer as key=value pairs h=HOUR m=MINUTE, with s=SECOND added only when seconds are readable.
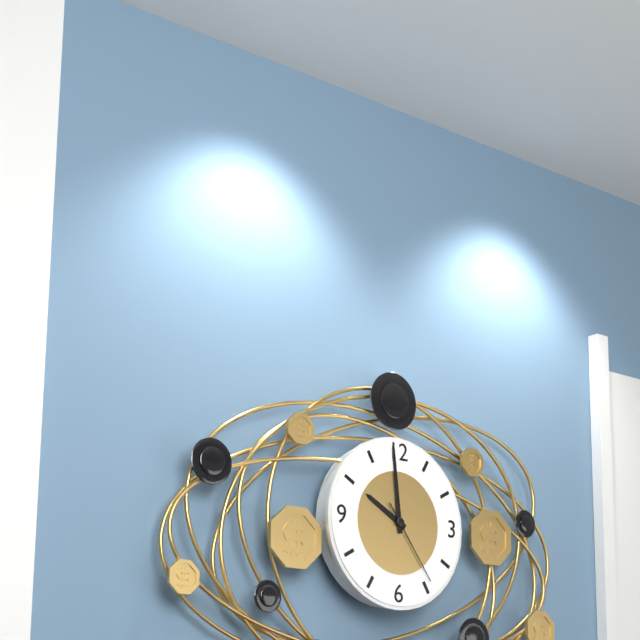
h=9 m=59 s=24
